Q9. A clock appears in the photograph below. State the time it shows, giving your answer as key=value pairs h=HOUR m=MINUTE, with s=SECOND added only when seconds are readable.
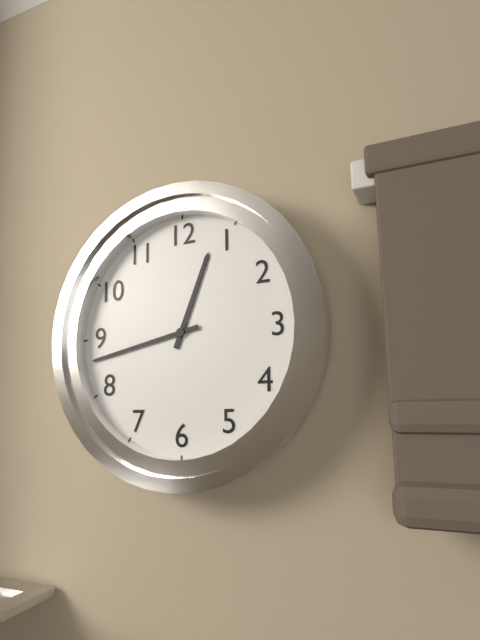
h=12 m=43
